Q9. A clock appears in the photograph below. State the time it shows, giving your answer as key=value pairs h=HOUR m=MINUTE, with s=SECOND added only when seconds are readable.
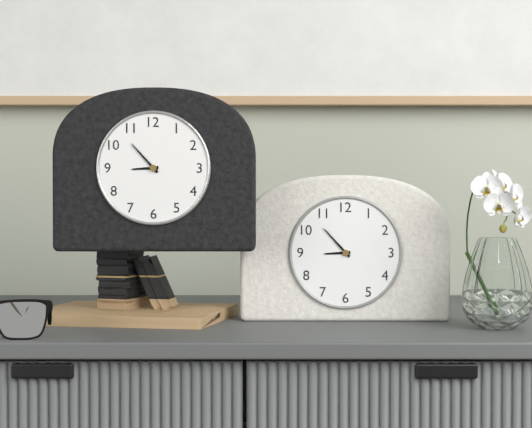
h=8 m=53
